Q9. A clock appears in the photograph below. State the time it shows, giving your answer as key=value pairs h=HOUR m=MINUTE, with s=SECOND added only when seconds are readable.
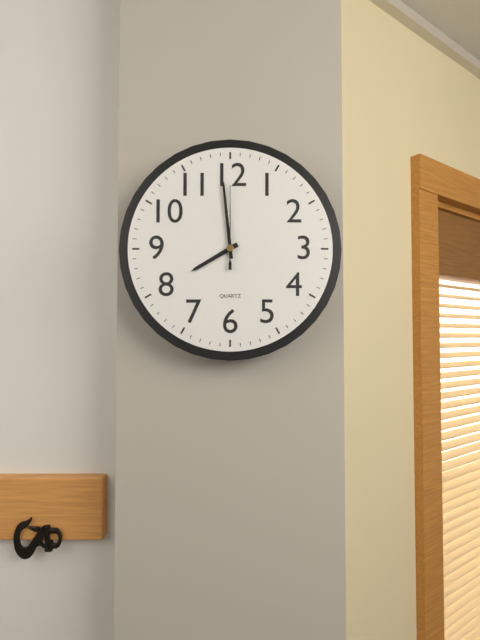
h=7 m=59 s=0
